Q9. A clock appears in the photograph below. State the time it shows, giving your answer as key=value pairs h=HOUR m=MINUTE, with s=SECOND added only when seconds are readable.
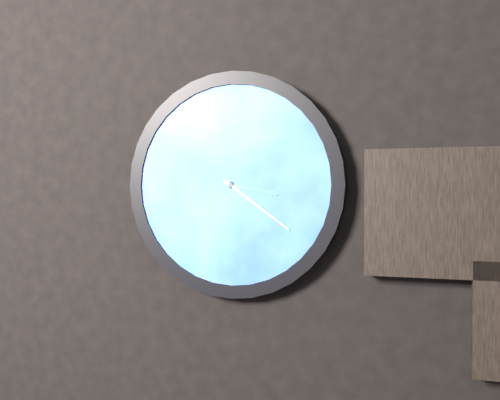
h=3 m=21
